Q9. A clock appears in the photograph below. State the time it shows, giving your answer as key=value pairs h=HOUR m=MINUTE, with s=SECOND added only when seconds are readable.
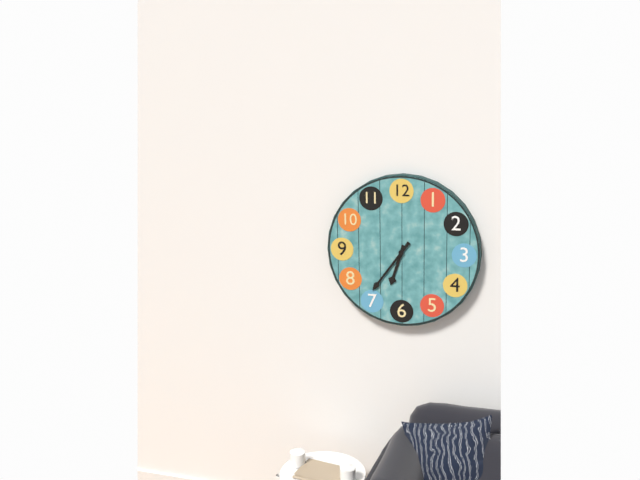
h=6 m=36
